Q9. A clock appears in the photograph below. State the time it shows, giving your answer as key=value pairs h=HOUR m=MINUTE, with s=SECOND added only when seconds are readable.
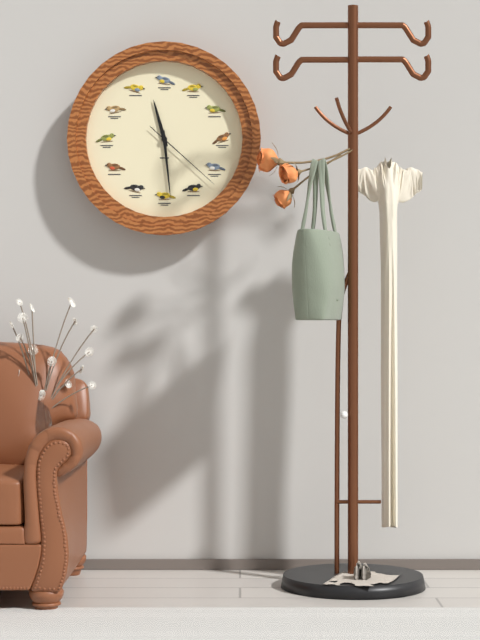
h=11 m=29 s=22
